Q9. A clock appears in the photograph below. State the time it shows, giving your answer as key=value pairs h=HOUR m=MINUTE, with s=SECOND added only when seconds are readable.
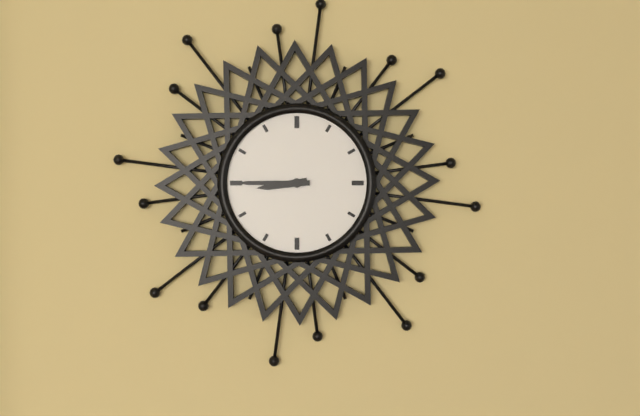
h=8 m=45
